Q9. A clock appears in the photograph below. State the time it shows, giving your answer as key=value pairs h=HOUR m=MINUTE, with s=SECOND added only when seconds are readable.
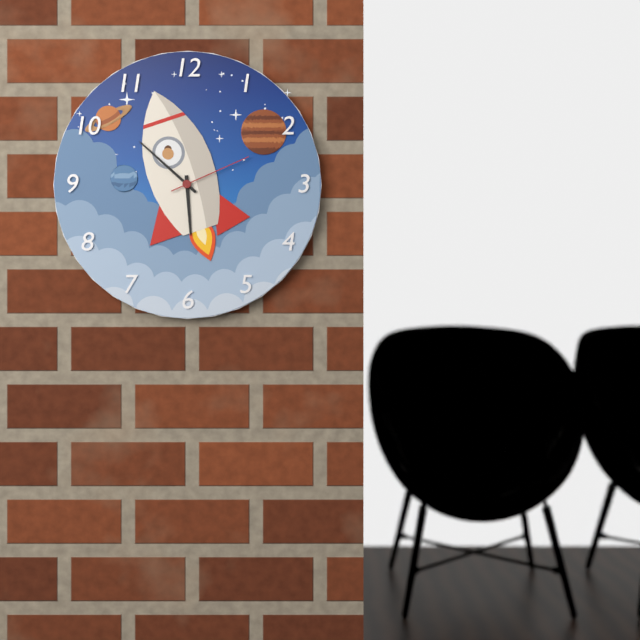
h=5 m=52 s=11
